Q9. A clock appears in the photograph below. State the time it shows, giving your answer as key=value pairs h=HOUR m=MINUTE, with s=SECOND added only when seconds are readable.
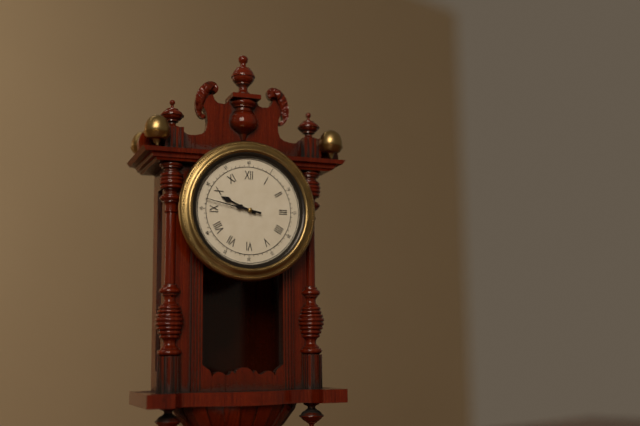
h=9 m=47
